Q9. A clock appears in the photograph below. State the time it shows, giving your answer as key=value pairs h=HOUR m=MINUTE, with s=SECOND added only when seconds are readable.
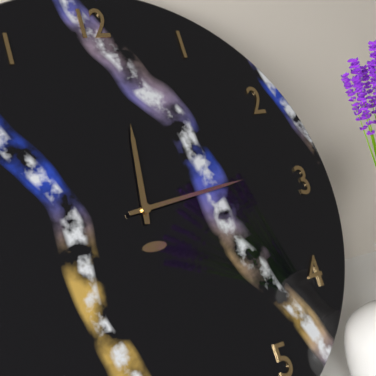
h=12 m=14
